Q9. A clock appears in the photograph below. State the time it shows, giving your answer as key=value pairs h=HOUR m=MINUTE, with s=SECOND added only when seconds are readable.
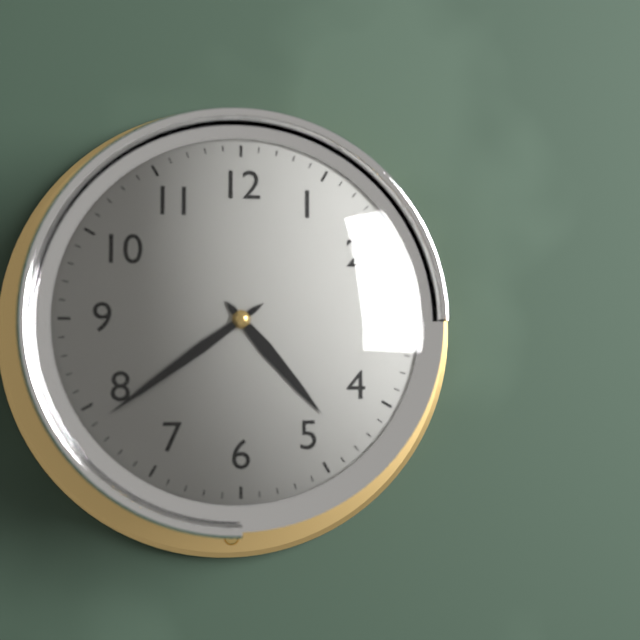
h=4 m=39
